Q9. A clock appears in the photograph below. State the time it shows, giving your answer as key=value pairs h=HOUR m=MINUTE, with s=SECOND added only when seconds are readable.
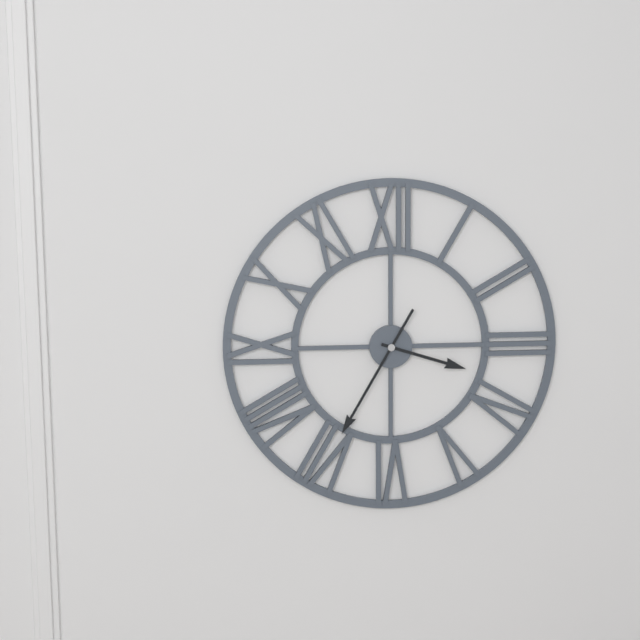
h=3 m=35
